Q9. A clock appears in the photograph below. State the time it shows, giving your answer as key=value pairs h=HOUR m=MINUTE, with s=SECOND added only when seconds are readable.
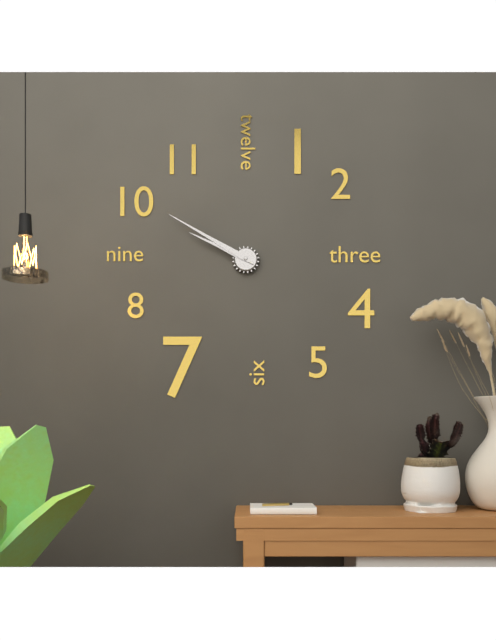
h=9 m=50
